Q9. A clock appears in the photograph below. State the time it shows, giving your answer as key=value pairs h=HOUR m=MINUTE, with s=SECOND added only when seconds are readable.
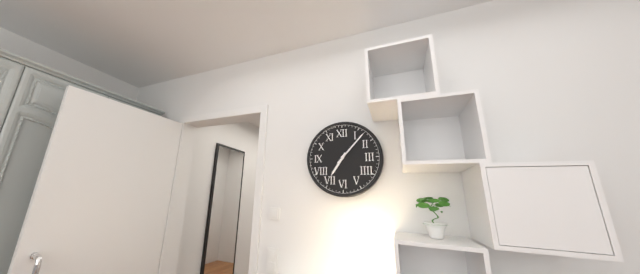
h=7 m=7
